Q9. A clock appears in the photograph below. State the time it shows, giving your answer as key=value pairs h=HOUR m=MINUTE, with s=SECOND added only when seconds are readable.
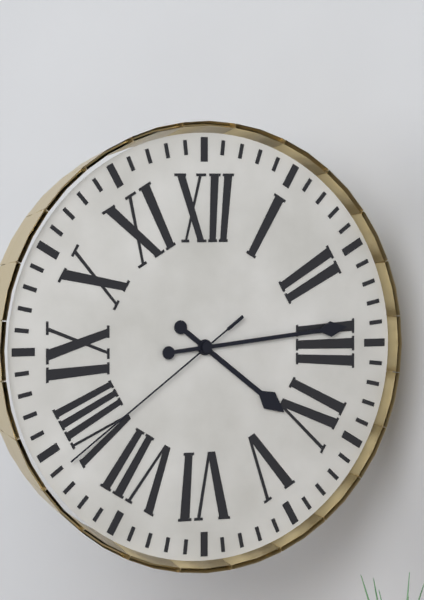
h=4 m=14 s=39
